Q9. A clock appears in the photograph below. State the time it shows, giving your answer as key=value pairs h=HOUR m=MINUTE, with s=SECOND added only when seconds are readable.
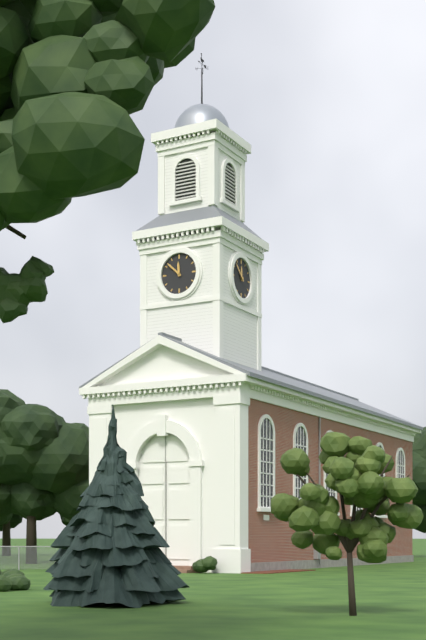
h=11 m=52
